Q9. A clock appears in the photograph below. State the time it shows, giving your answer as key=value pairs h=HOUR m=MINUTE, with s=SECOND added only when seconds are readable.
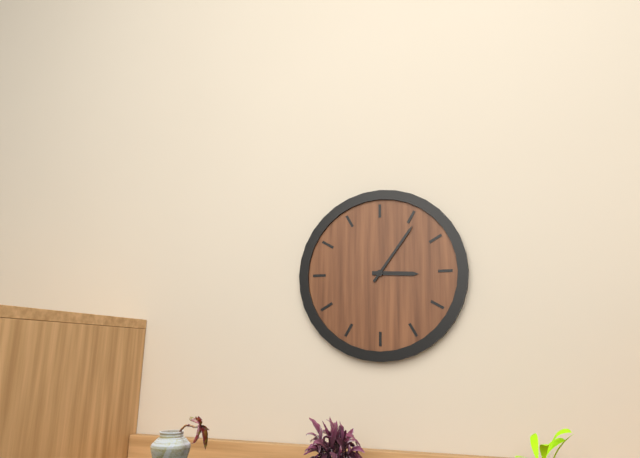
h=3 m=6
